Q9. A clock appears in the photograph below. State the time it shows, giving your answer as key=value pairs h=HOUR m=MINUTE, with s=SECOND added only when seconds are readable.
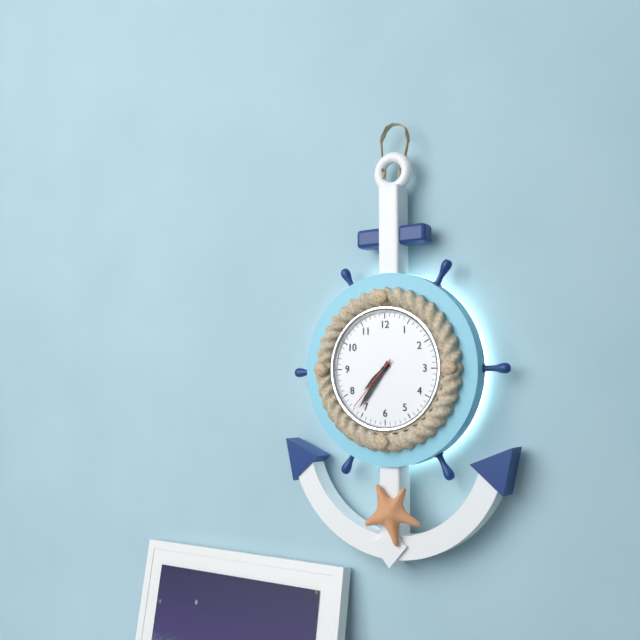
h=7 m=36 s=37
